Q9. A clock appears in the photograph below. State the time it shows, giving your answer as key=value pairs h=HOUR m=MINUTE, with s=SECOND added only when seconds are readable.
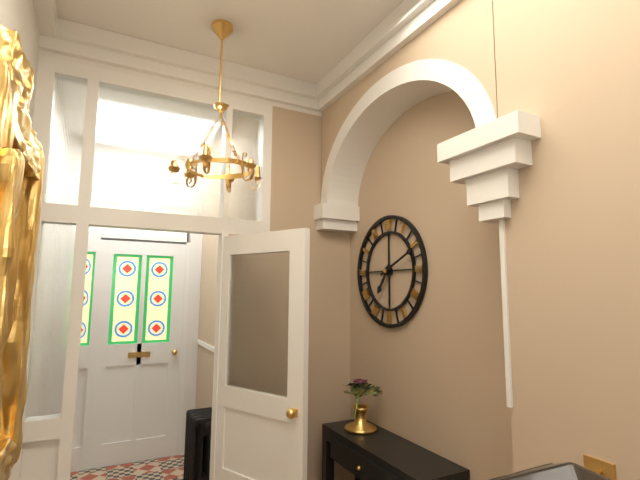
h=7 m=11
